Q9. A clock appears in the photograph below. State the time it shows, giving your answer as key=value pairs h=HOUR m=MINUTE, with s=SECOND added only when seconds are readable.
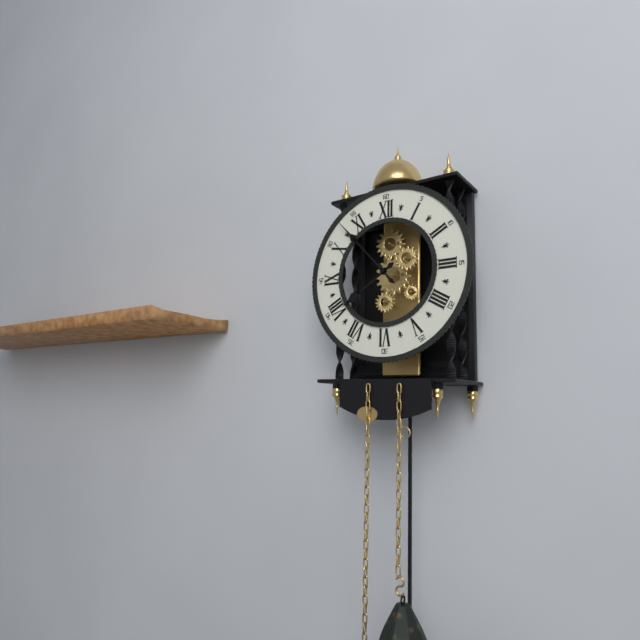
h=7 m=53
